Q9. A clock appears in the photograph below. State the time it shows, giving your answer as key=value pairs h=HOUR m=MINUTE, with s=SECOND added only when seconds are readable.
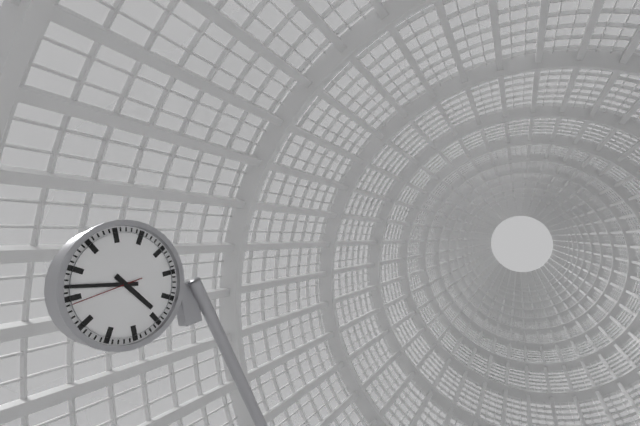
h=4 m=47 s=44
